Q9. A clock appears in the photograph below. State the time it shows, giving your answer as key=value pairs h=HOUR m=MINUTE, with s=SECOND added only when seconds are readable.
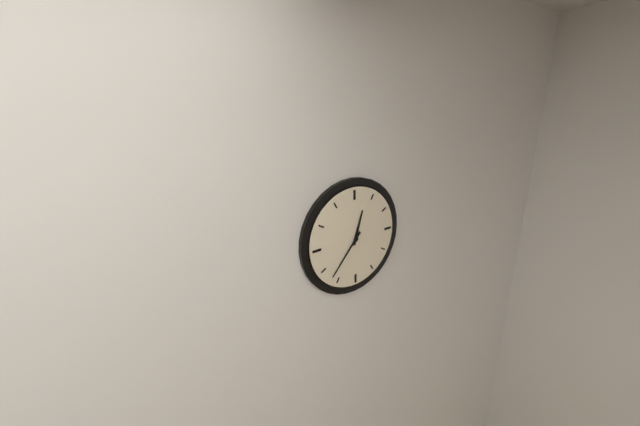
h=12 m=37
